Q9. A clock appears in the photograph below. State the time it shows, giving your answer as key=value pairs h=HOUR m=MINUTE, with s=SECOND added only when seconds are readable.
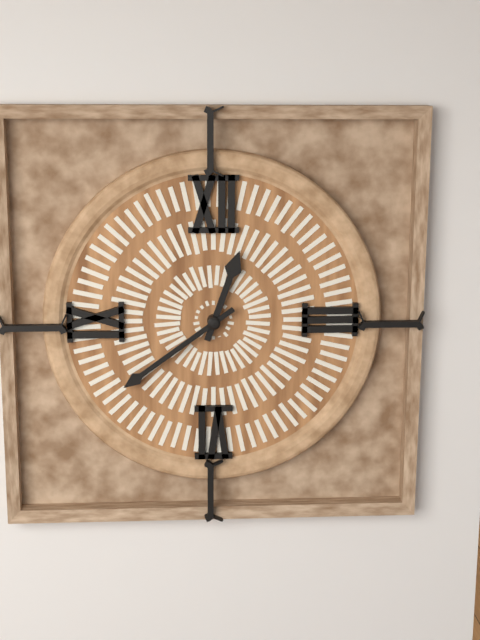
h=12 m=39
